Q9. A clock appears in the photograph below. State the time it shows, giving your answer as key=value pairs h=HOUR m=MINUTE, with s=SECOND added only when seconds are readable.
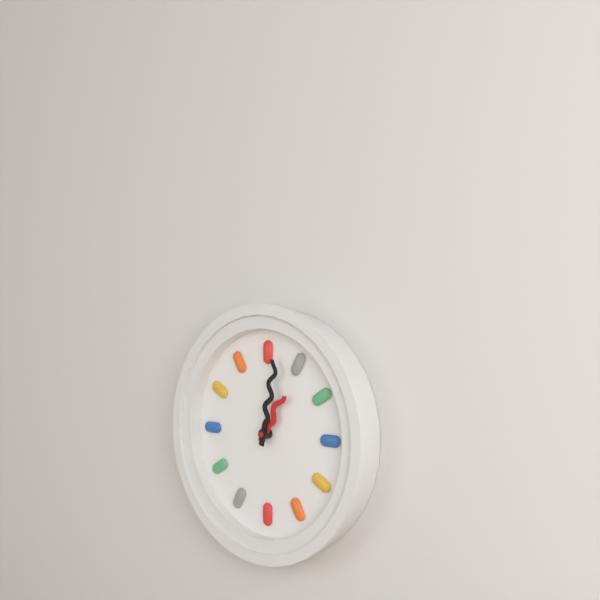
h=1 m=2
